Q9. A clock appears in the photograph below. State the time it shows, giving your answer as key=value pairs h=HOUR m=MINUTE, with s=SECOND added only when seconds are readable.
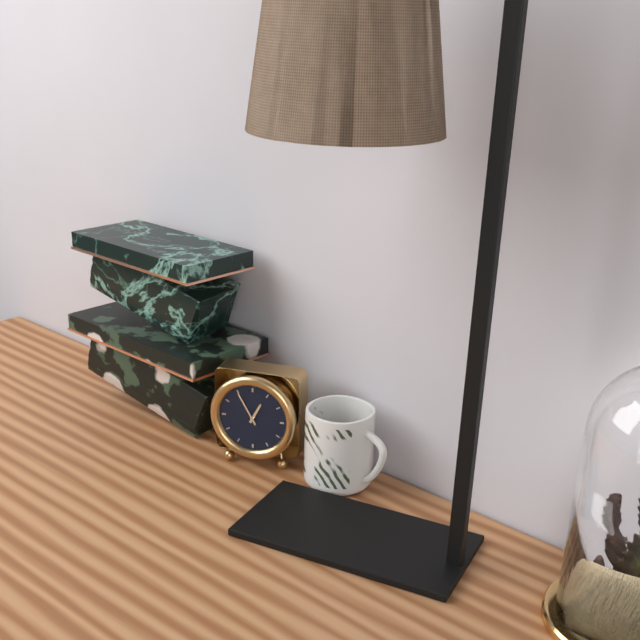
h=12 m=55
